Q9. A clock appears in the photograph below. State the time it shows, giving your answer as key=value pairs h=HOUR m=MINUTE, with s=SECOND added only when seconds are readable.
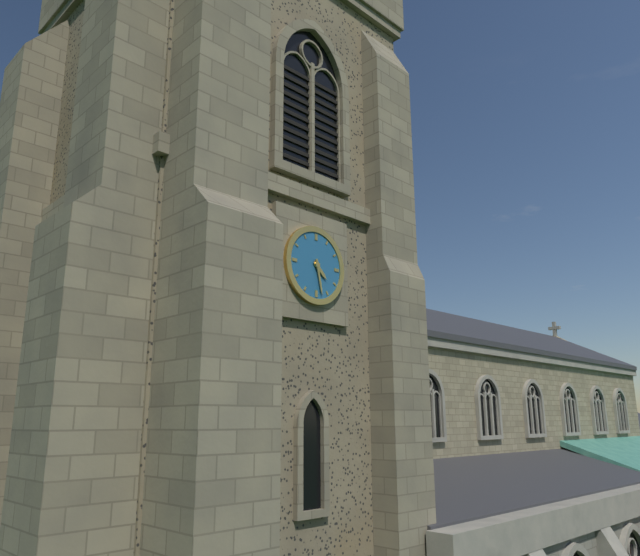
h=4 m=28
